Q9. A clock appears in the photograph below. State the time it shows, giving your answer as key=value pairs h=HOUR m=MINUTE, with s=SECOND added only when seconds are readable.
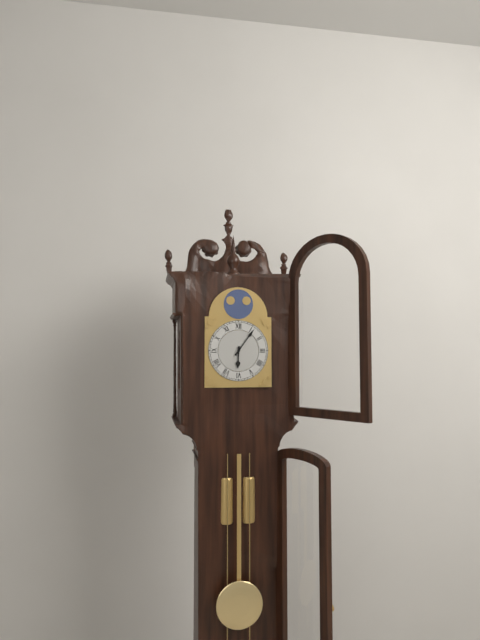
h=6 m=6
